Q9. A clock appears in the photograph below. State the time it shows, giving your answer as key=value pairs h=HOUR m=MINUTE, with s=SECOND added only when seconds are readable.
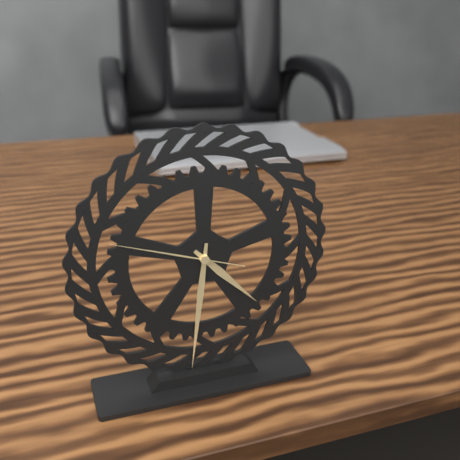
h=4 m=31 s=48
